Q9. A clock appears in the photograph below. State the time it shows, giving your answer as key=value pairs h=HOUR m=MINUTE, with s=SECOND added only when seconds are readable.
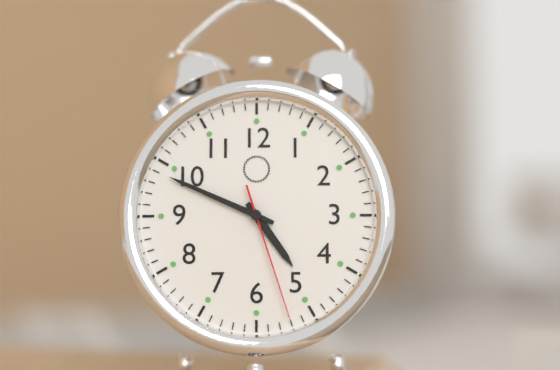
h=4 m=49 s=27
